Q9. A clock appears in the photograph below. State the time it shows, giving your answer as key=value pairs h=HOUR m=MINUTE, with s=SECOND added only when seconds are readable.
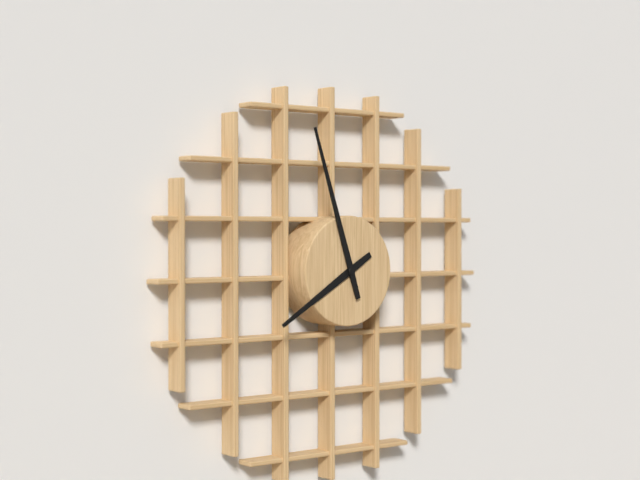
h=7 m=57
